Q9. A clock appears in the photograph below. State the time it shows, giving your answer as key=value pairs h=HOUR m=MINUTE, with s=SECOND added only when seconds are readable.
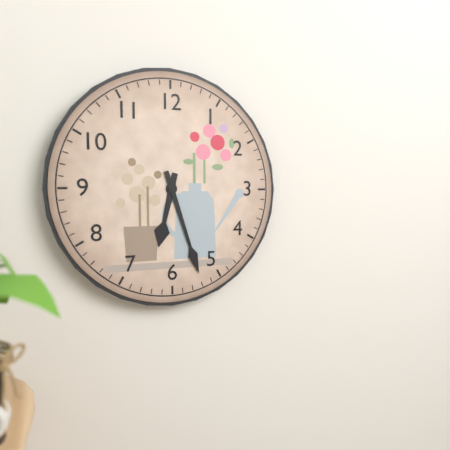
h=6 m=27
